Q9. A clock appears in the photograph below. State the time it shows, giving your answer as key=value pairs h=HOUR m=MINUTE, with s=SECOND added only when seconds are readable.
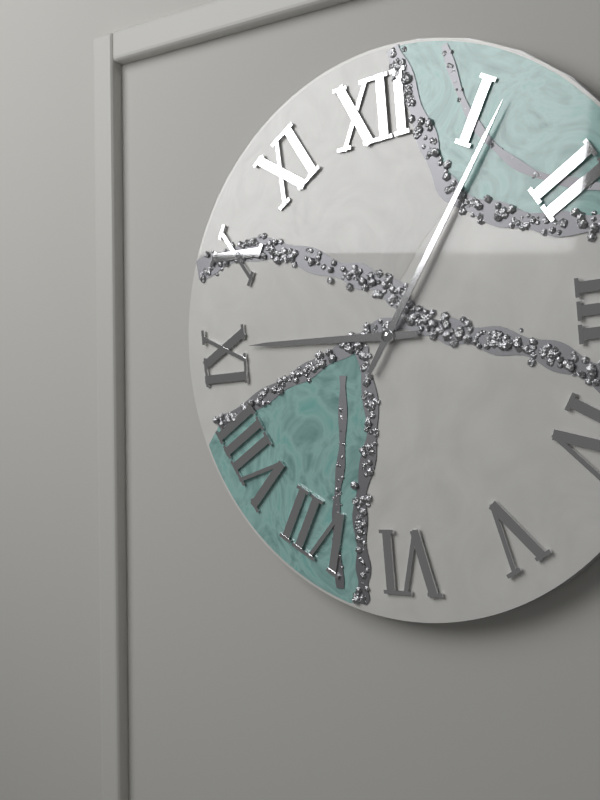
h=9 m=6
